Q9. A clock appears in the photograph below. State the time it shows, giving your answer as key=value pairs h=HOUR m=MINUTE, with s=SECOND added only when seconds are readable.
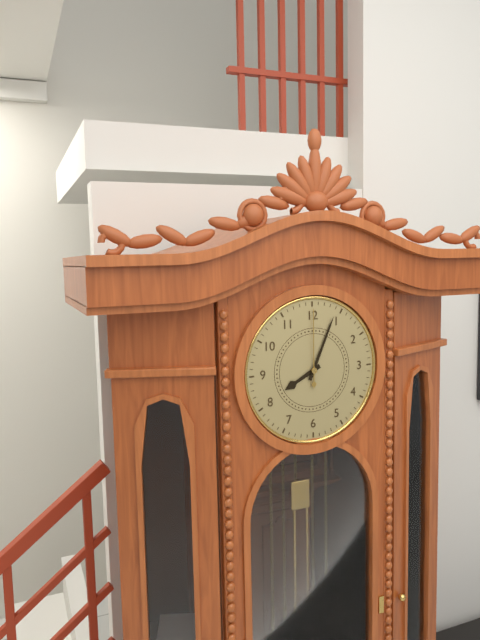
h=8 m=4 s=0
